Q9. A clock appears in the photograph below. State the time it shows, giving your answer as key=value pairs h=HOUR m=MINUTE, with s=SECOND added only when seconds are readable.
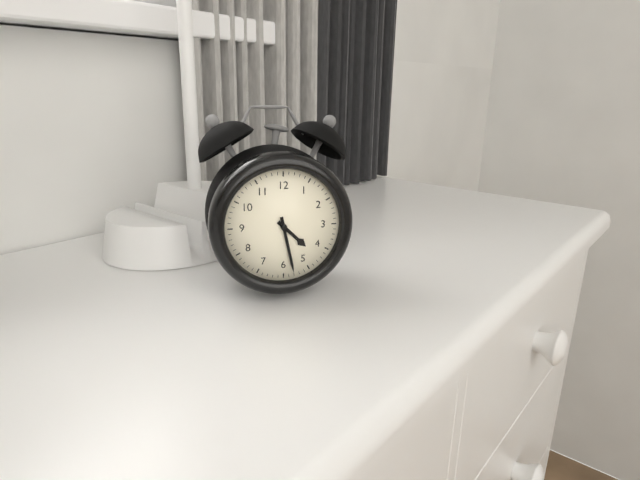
h=4 m=28
